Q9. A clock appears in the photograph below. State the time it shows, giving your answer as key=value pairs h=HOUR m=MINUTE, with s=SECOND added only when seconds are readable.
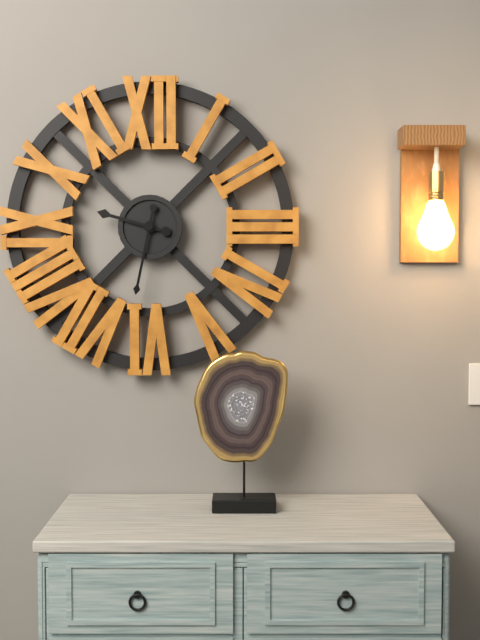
h=9 m=32
